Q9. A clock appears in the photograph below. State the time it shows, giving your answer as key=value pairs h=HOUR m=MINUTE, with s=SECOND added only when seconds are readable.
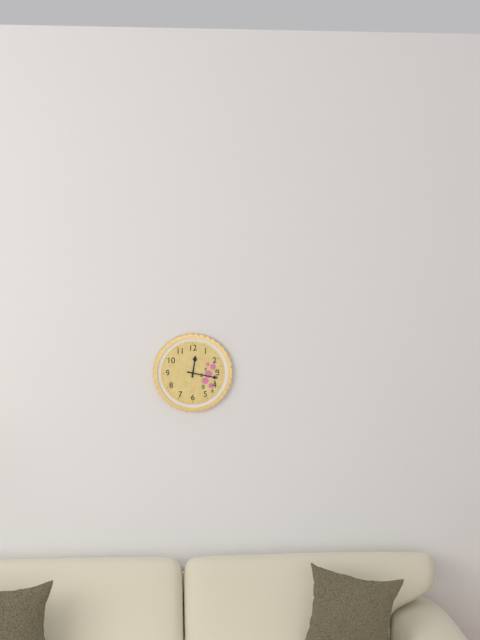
h=12 m=17
